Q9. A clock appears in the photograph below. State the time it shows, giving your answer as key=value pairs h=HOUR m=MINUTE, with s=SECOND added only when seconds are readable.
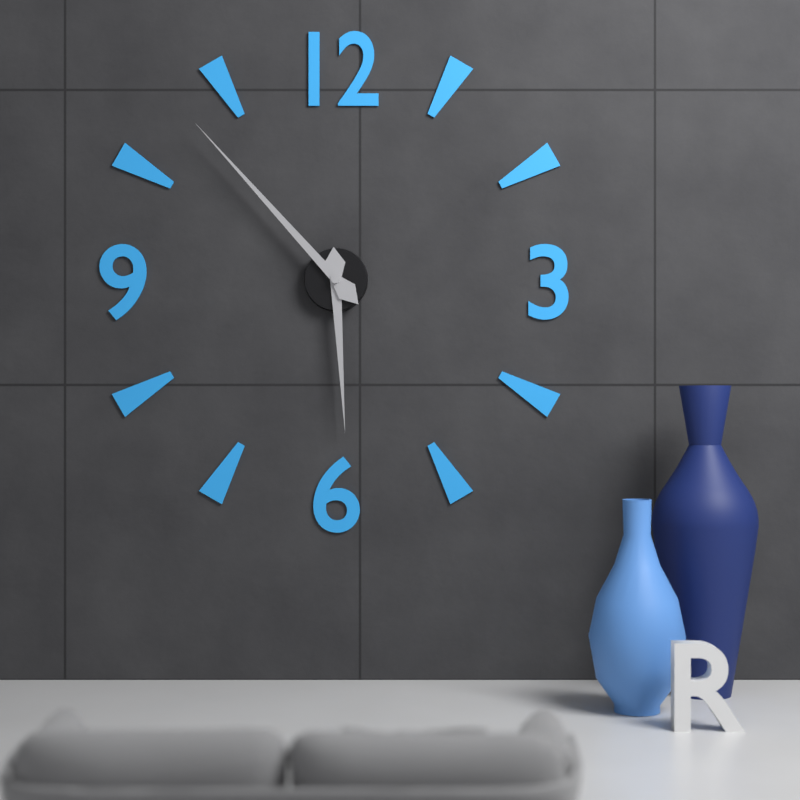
h=5 m=53
